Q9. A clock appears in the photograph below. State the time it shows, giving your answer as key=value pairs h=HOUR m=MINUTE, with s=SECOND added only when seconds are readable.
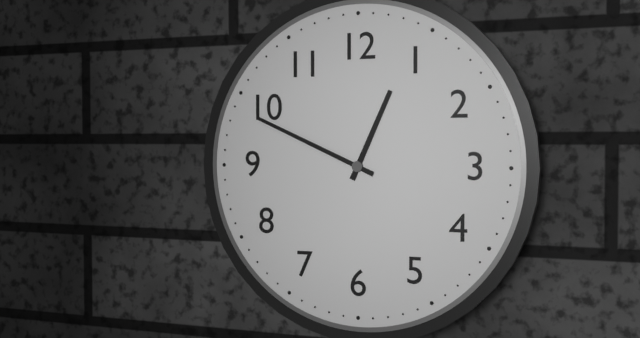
h=12 m=49
